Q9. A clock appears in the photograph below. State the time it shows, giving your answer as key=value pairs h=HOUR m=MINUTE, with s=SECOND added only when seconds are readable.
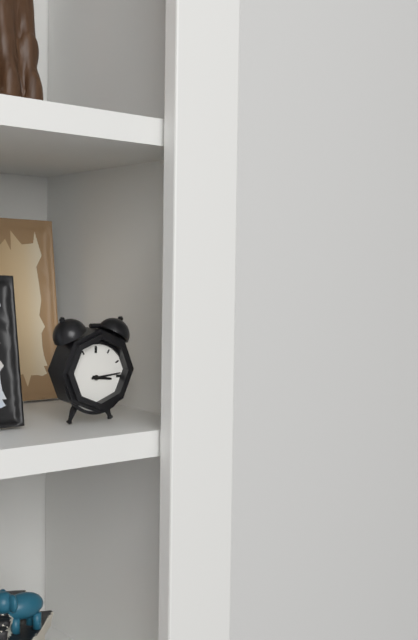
h=3 m=14
